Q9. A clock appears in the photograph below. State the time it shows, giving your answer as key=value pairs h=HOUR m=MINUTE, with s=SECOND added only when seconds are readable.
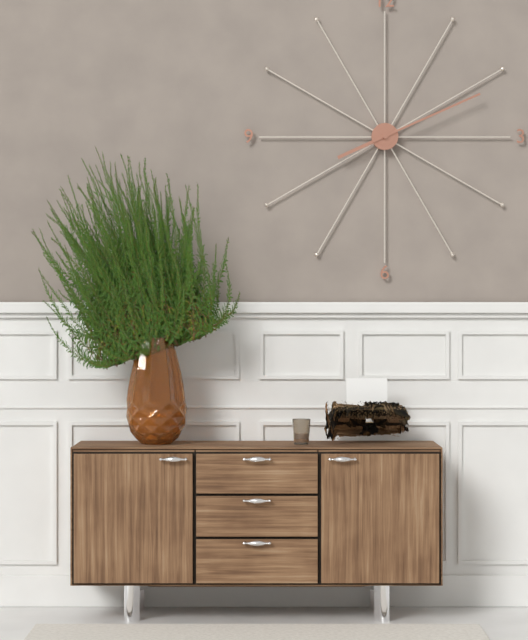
h=8 m=11
